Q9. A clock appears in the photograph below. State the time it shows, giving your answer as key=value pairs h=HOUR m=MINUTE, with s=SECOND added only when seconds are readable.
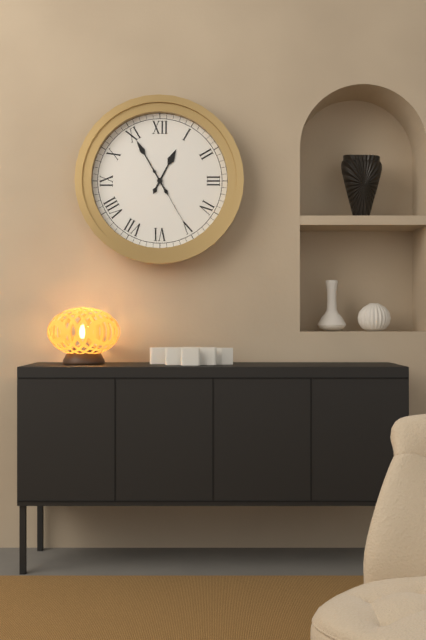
h=12 m=55 s=25
